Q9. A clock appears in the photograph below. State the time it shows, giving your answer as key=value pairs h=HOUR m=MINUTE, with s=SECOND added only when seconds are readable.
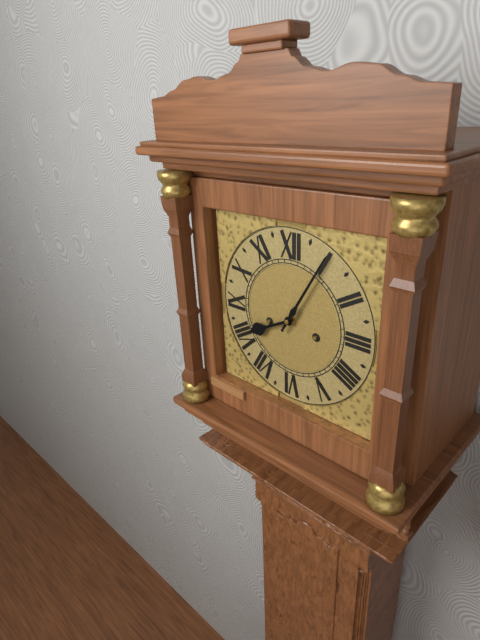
h=8 m=5
